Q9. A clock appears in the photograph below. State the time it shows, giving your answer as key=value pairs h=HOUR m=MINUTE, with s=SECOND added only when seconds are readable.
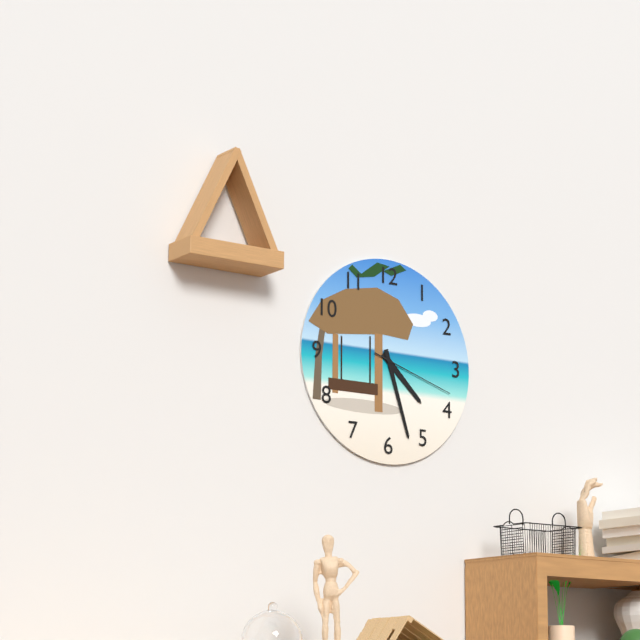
h=4 m=27 s=18
